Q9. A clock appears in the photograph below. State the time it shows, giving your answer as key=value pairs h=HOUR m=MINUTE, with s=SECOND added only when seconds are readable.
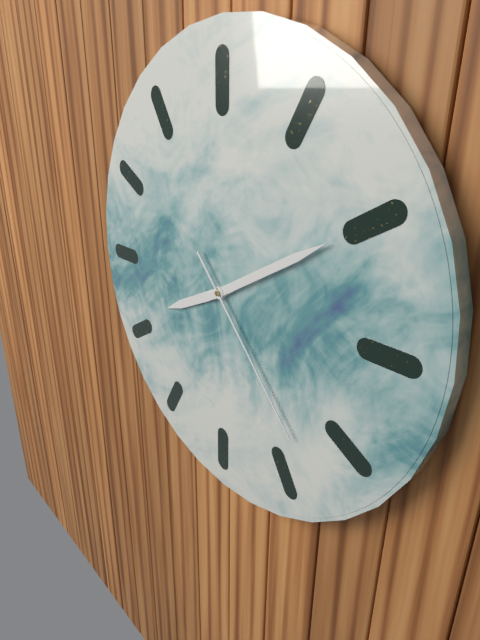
h=8 m=10 s=23
